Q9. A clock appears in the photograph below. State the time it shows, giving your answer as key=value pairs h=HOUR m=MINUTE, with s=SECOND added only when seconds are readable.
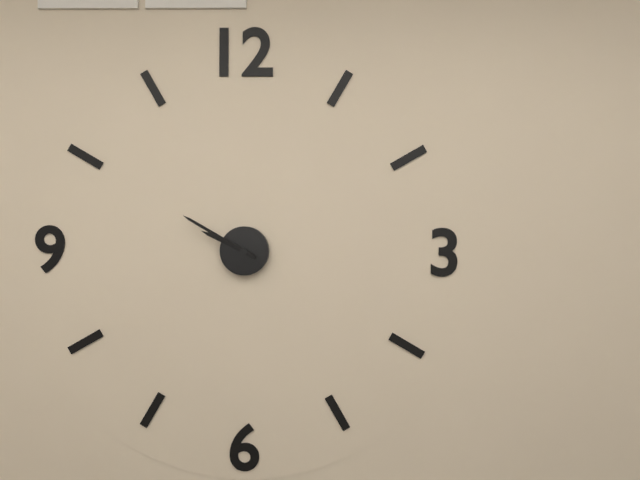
h=9 m=50
